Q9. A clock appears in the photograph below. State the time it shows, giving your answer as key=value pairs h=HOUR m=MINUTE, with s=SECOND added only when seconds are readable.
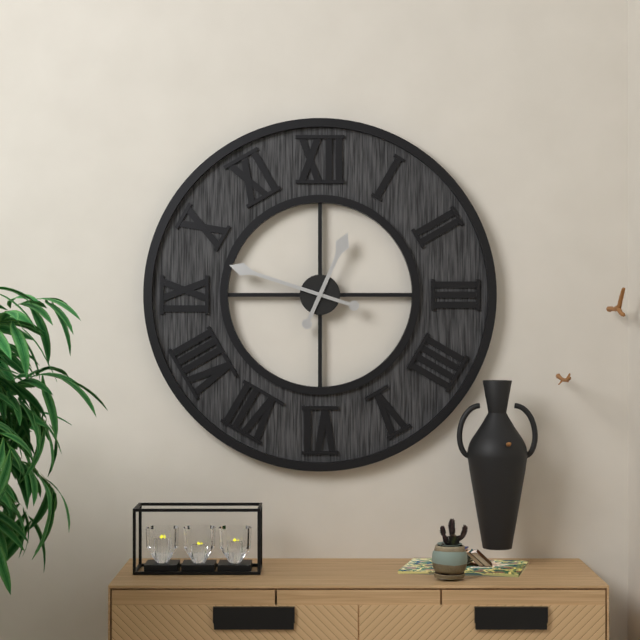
h=12 m=48
